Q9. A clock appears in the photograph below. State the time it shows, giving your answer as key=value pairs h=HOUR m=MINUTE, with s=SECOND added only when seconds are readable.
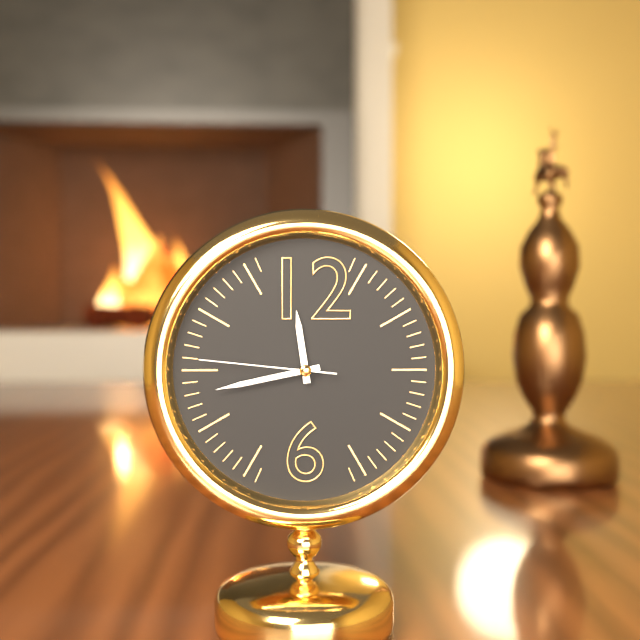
h=11 m=43 s=46
